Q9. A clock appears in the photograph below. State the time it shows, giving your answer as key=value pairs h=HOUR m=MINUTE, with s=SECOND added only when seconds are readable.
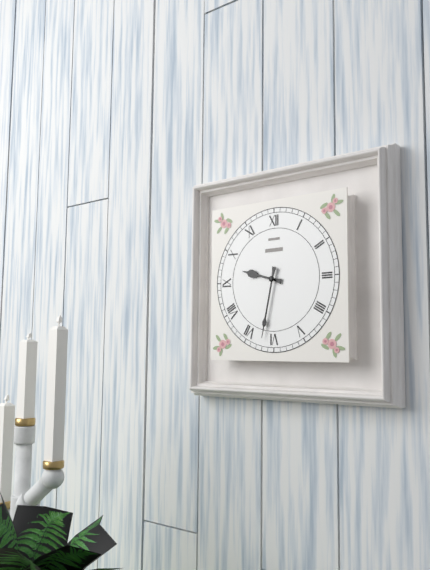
h=9 m=32
